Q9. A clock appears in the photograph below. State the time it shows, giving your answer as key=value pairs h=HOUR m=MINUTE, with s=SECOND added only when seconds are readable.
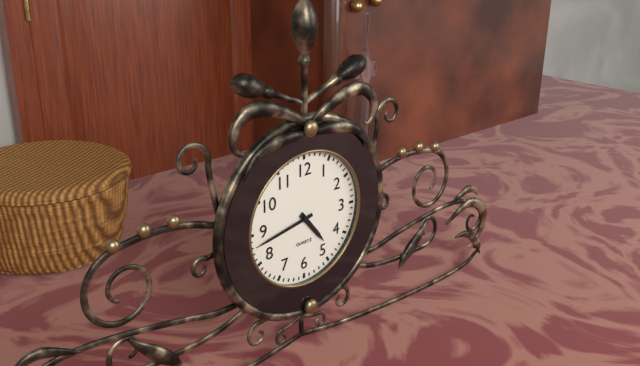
h=4 m=43
